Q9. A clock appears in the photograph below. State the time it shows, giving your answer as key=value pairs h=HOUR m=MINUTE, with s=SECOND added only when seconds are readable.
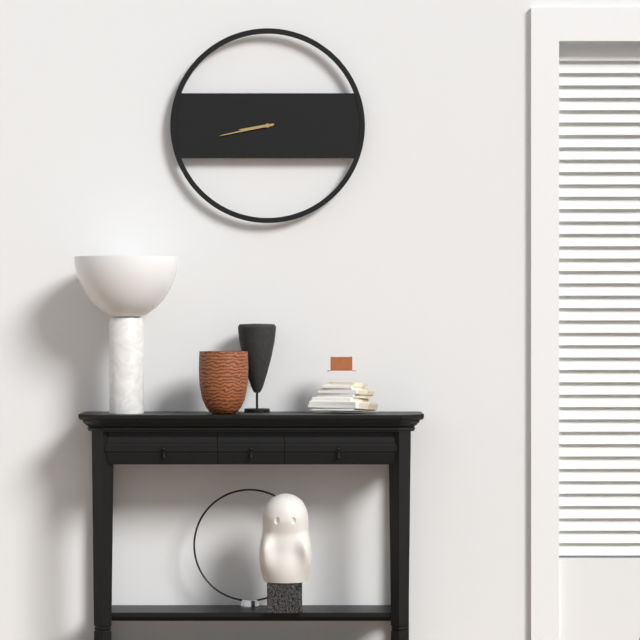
h=8 m=43
